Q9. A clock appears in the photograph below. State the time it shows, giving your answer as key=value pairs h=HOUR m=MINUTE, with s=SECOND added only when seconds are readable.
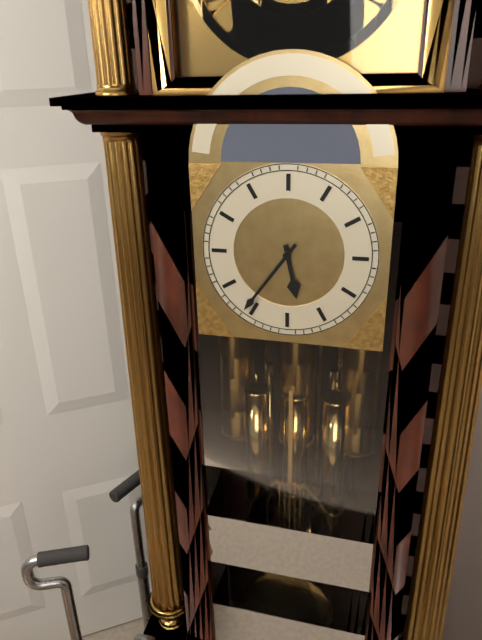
h=5 m=36
